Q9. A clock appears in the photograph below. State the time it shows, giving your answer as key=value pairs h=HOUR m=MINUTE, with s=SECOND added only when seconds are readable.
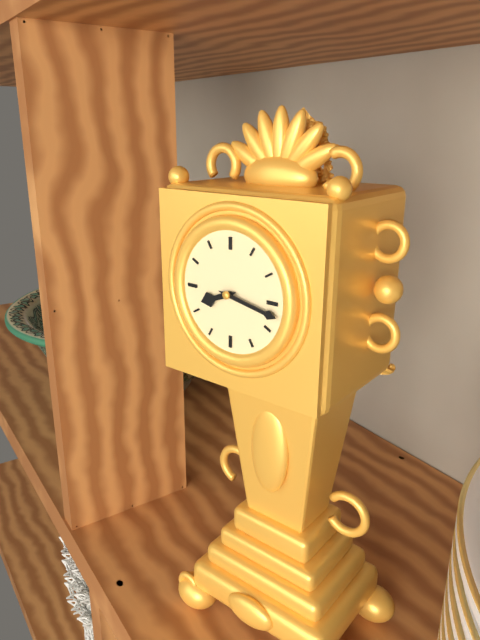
h=8 m=17
